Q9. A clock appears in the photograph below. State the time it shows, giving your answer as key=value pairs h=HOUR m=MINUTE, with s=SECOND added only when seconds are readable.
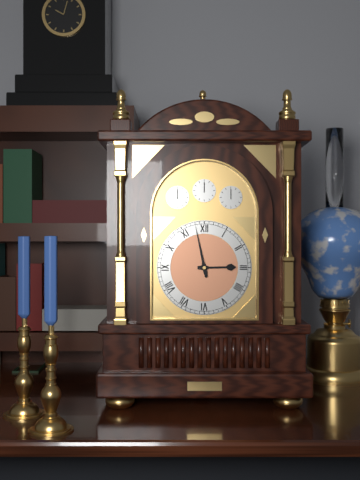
h=2 m=58
